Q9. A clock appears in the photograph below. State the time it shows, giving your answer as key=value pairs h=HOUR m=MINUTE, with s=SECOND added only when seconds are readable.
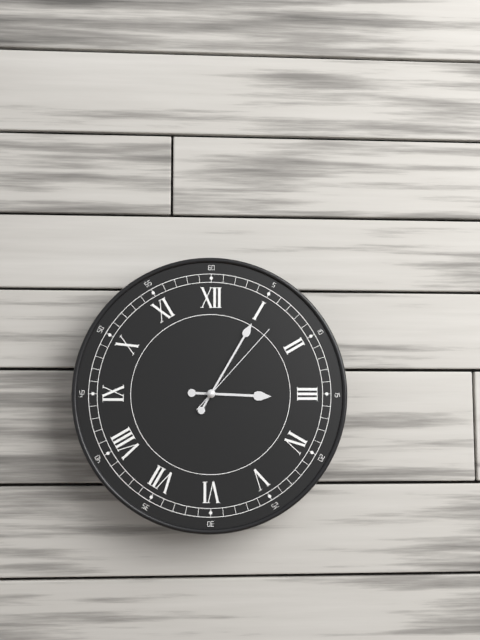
h=3 m=5 s=7
